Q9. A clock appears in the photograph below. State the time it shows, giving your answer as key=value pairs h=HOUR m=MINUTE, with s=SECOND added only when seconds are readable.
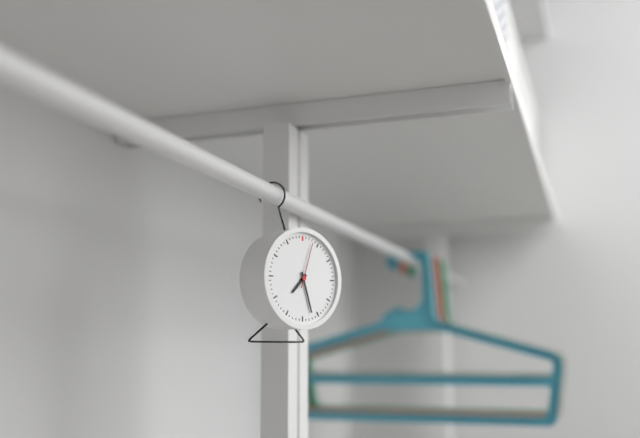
h=7 m=27
